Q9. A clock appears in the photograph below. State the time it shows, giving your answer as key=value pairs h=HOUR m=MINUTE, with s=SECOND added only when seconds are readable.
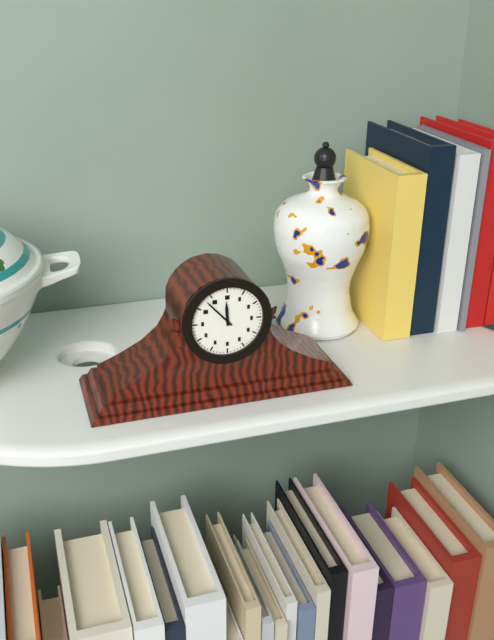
h=11 m=53
